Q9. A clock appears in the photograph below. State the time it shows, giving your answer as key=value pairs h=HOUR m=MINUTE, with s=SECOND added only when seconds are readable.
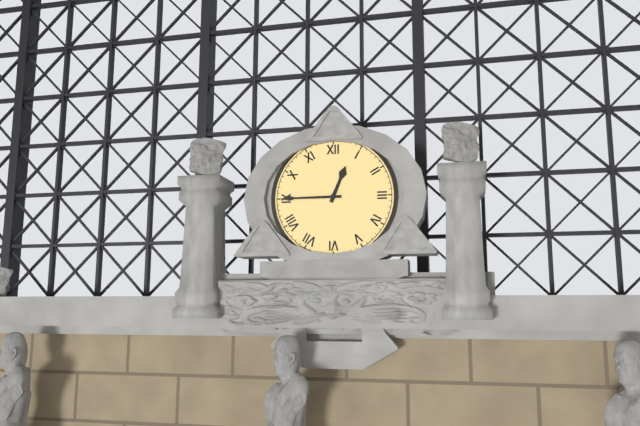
h=12 m=45
